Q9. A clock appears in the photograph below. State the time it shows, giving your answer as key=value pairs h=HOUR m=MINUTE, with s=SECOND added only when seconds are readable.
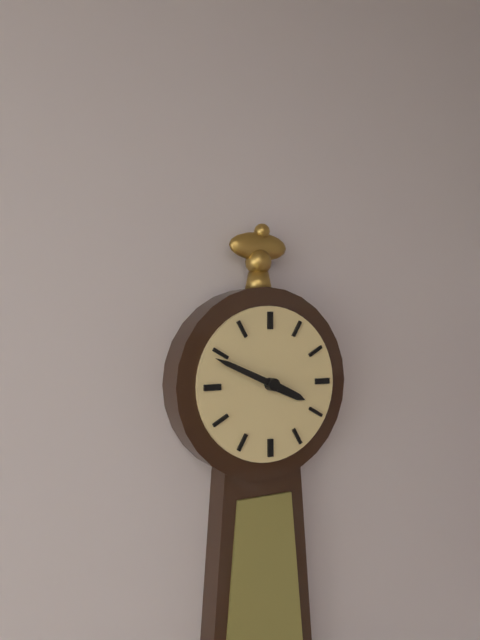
h=3 m=49
